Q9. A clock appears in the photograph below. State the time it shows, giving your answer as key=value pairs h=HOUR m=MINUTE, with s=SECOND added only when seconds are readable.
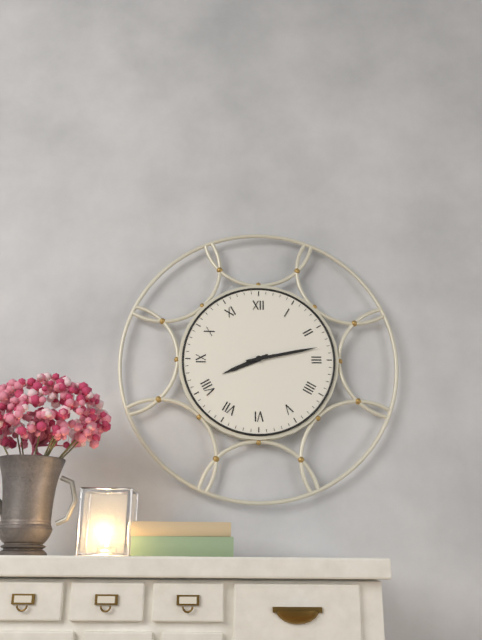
h=8 m=13
